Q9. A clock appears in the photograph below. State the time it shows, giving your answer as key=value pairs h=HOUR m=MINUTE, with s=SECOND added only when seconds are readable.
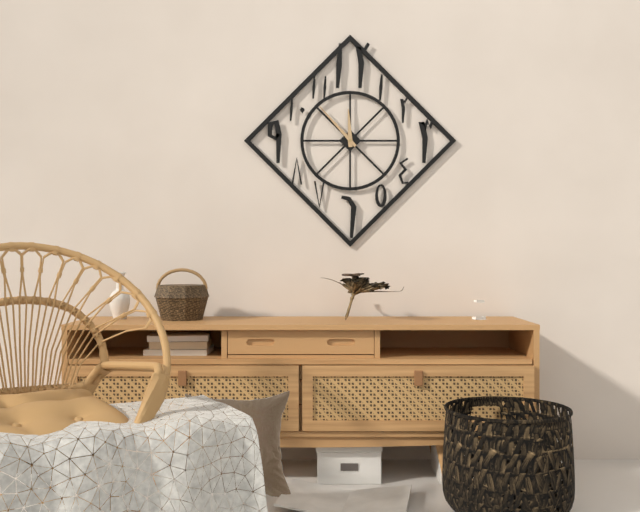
h=11 m=53
